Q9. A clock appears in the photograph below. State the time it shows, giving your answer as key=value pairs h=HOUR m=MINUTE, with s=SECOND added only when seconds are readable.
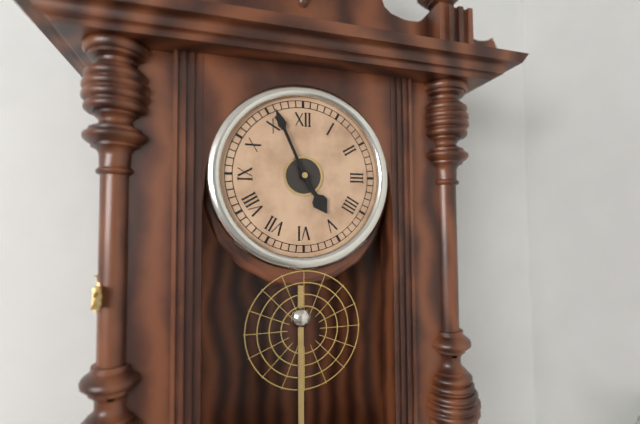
h=4 m=56
